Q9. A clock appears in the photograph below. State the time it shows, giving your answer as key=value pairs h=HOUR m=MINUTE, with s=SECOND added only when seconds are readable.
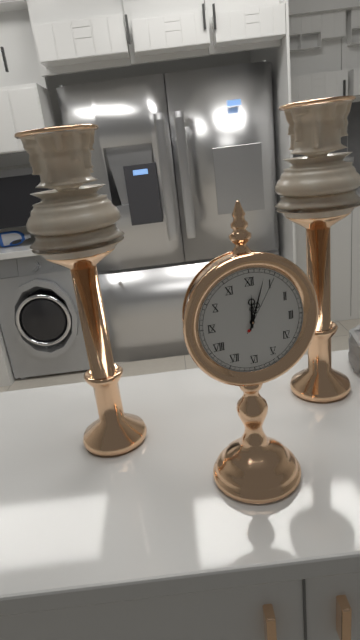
h=12 m=3 s=5
